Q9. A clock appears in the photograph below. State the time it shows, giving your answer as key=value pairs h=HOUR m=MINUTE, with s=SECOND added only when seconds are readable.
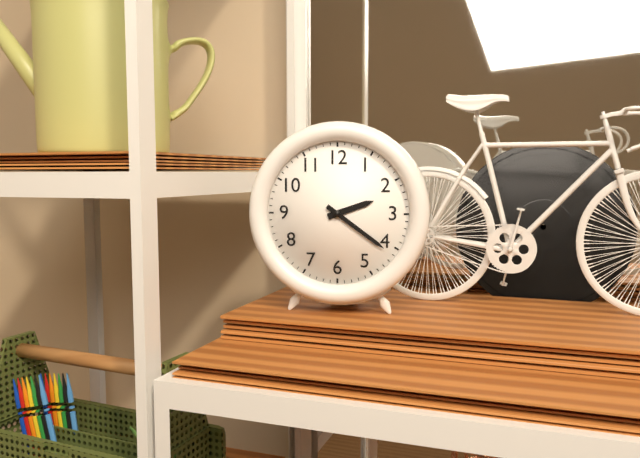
h=2 m=21
